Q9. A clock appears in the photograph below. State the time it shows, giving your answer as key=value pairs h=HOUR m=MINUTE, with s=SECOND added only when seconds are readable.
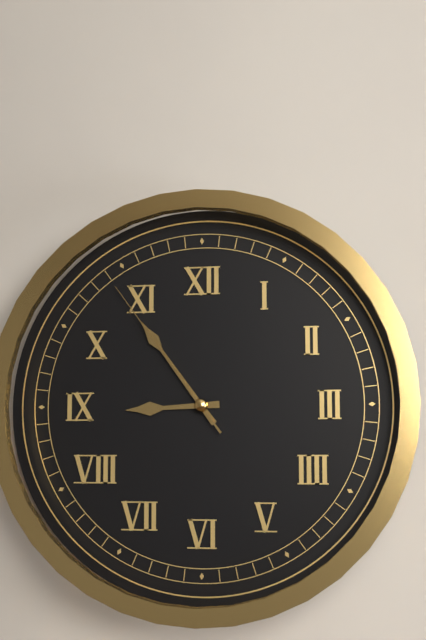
h=8 m=54 s=54
